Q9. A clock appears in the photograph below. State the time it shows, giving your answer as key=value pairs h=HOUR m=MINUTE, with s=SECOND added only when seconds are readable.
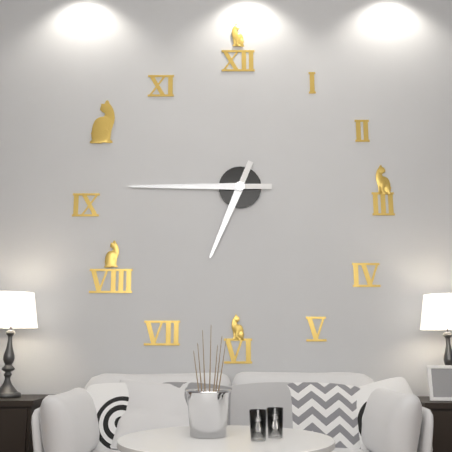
h=6 m=45
